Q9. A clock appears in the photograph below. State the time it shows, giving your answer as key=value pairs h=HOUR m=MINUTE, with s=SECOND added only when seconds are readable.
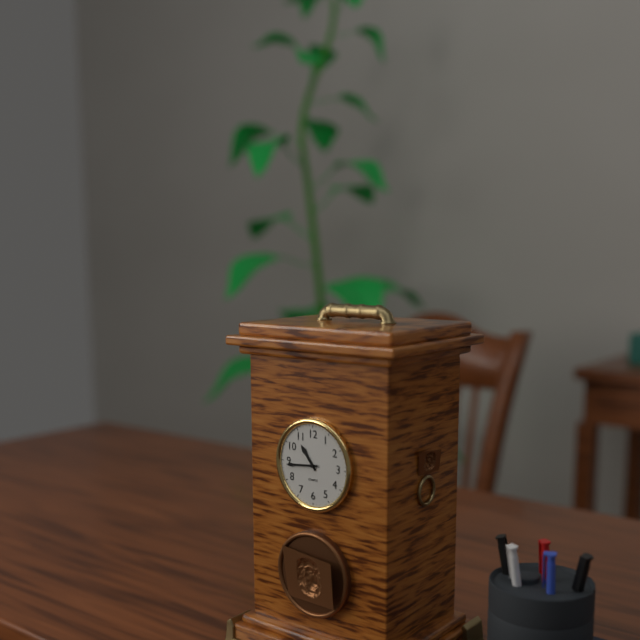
h=10 m=44
